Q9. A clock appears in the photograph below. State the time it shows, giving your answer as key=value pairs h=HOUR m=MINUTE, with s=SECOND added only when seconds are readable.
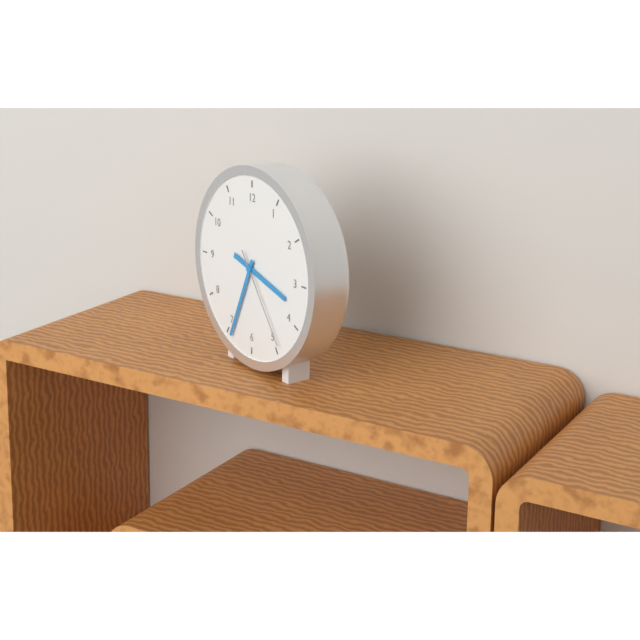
h=3 m=34 s=24
